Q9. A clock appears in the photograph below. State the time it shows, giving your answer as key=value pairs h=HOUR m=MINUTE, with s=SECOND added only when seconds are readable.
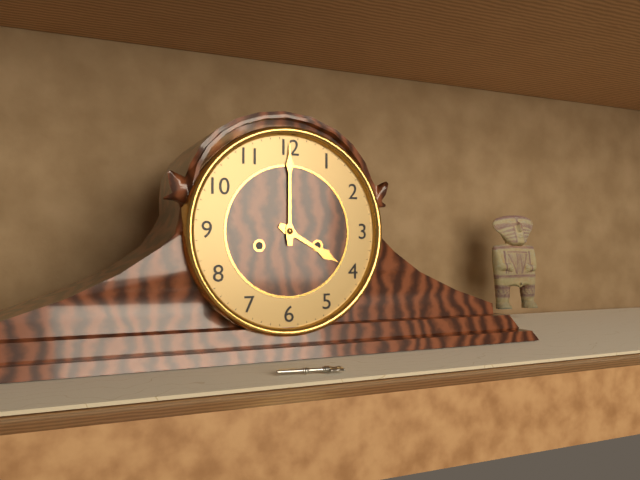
h=4 m=0
